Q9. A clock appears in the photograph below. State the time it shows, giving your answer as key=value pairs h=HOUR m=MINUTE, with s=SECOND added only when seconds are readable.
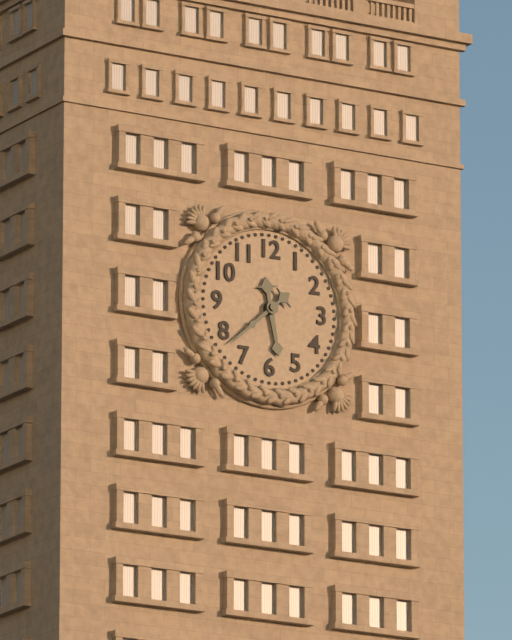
h=5 m=38
